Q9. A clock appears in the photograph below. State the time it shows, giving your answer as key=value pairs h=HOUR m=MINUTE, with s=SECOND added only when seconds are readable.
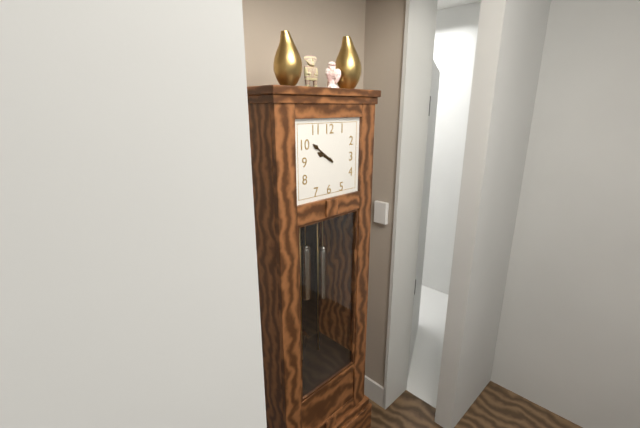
h=9 m=51
